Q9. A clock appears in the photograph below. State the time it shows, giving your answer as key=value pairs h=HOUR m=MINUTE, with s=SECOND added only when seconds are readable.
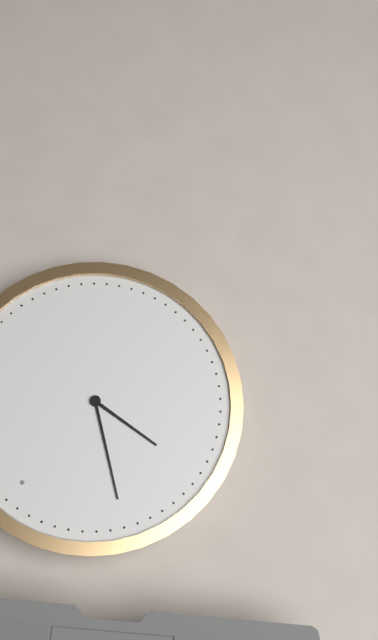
h=8 m=51
